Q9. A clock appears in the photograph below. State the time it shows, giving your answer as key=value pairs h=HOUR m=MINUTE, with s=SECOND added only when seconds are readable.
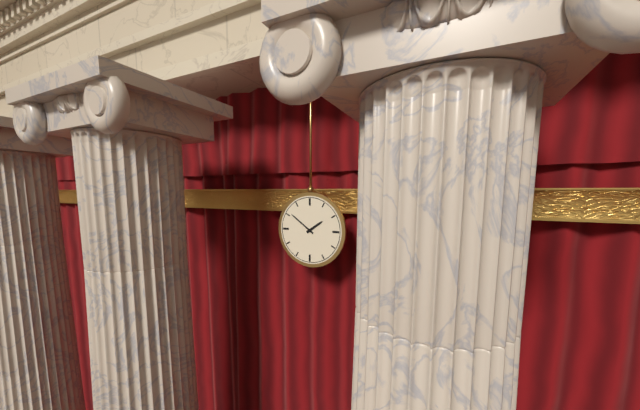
h=1 m=51
